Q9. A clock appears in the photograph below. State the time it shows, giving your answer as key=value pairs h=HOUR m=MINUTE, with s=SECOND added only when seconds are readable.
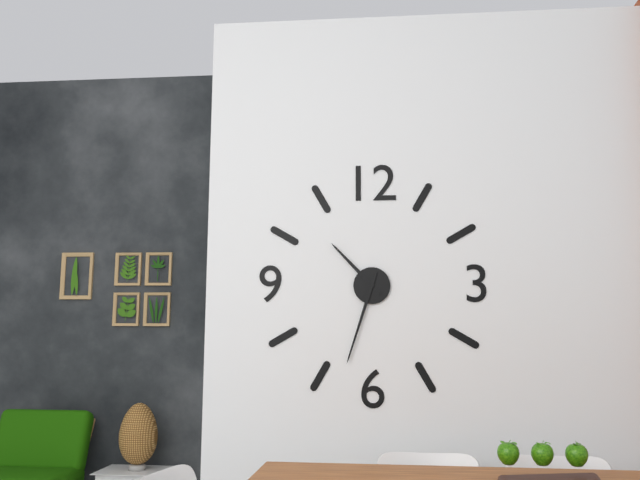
h=10 m=33
